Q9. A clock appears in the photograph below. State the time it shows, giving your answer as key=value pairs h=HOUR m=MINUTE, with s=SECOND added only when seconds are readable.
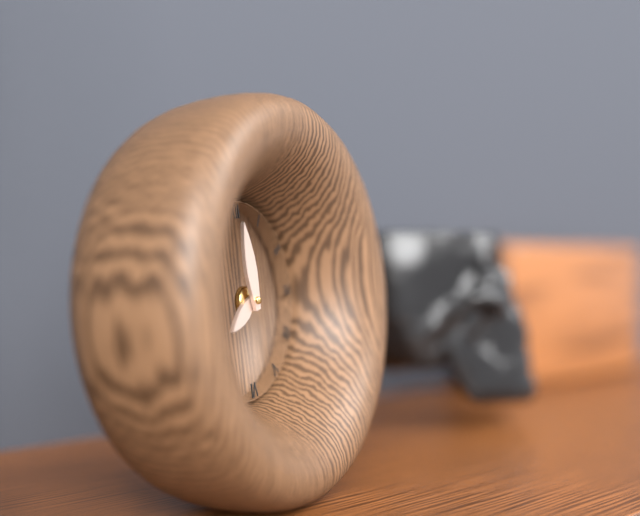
h=7 m=59
